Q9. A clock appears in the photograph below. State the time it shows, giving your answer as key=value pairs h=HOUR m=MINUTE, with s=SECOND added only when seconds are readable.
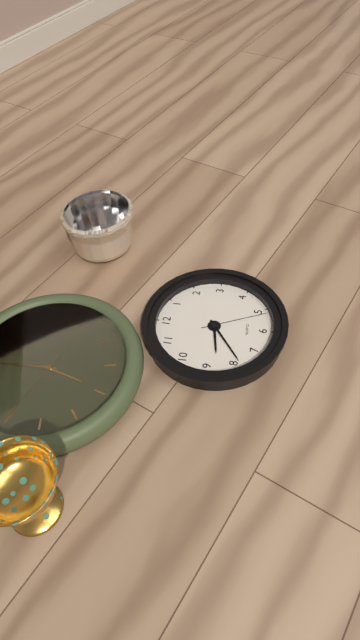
h=8 m=39 s=26
